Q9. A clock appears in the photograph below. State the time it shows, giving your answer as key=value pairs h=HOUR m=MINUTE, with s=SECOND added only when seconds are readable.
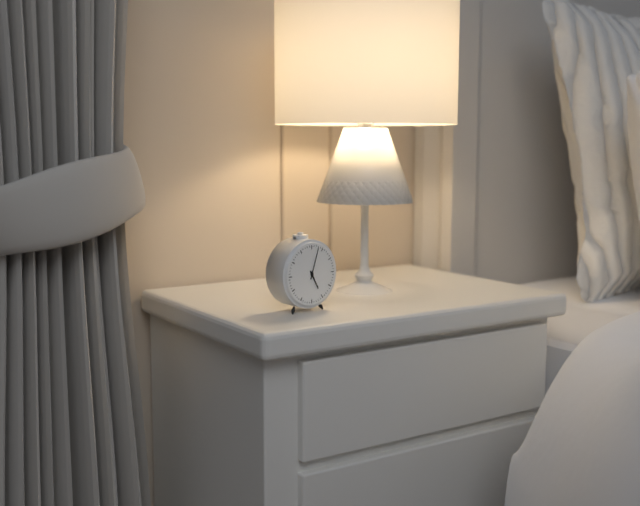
h=5 m=3
